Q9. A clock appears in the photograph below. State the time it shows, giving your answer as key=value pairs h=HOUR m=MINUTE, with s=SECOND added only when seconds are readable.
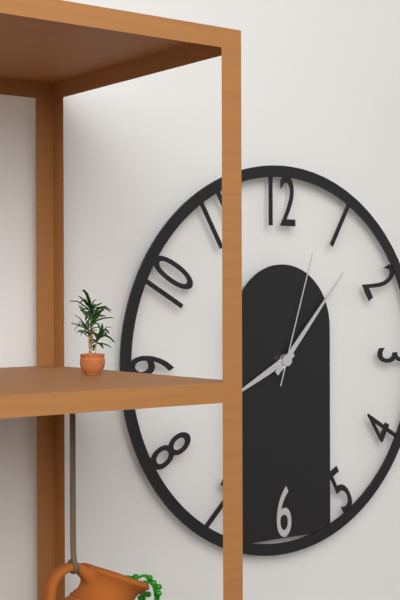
h=8 m=7 s=3
